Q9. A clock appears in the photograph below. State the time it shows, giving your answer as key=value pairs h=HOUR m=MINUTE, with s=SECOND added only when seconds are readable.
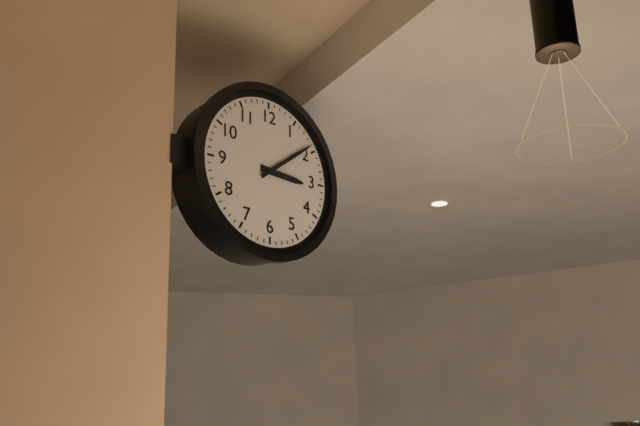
h=3 m=9
